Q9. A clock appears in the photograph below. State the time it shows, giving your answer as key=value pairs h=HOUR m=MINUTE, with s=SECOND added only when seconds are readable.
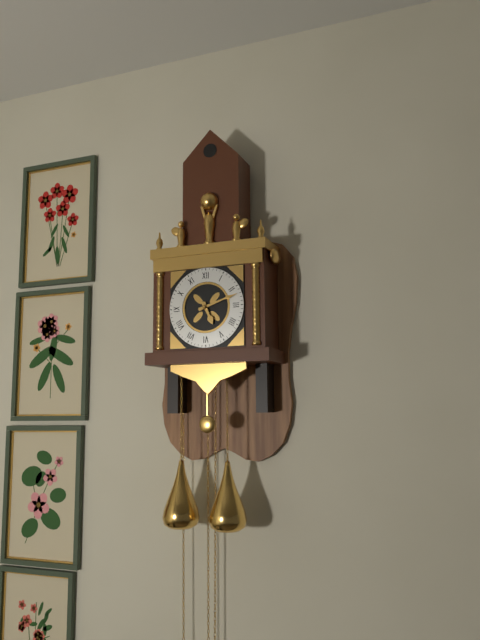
h=5 m=12
